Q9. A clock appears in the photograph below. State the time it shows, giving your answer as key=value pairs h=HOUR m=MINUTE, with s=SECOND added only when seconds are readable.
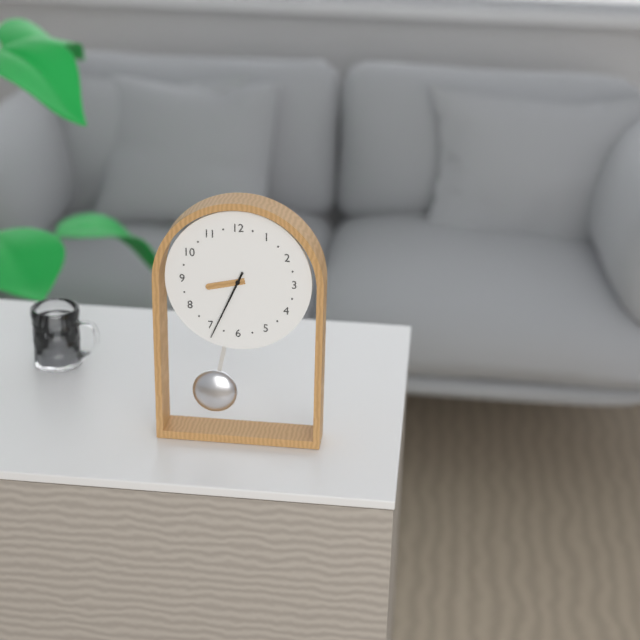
h=8 m=34
